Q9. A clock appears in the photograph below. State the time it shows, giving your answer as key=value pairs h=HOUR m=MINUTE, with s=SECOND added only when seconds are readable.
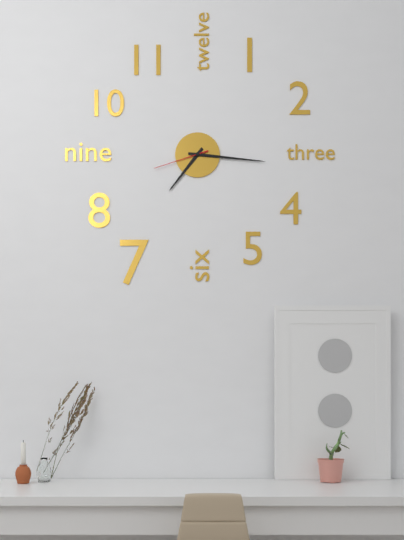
h=7 m=16 s=42
